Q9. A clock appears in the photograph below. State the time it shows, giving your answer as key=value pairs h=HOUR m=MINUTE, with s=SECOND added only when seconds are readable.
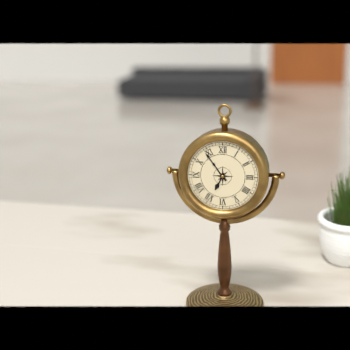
h=6 m=54
